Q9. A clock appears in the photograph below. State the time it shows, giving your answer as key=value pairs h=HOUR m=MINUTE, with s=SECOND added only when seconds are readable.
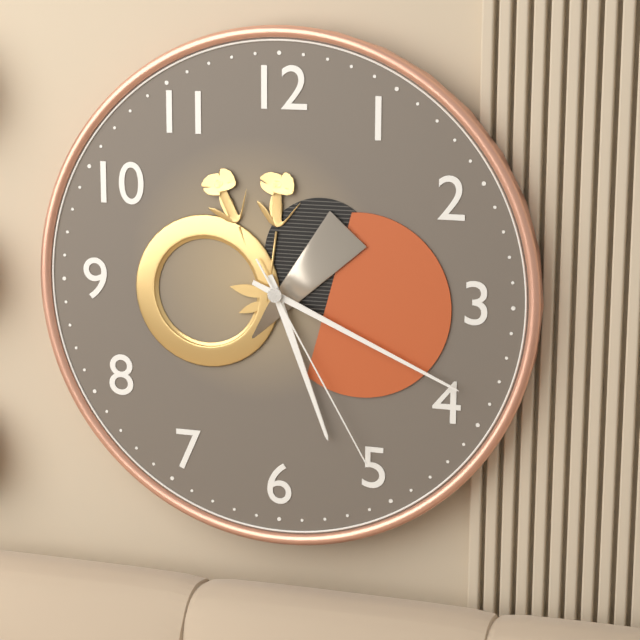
h=5 m=19 s=25
